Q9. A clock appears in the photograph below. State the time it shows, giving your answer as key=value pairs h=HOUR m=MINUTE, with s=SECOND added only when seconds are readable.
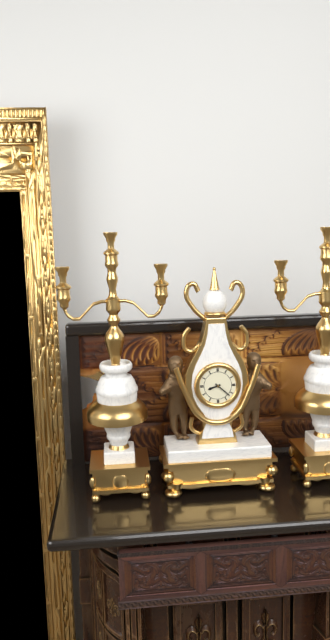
h=8 m=22
